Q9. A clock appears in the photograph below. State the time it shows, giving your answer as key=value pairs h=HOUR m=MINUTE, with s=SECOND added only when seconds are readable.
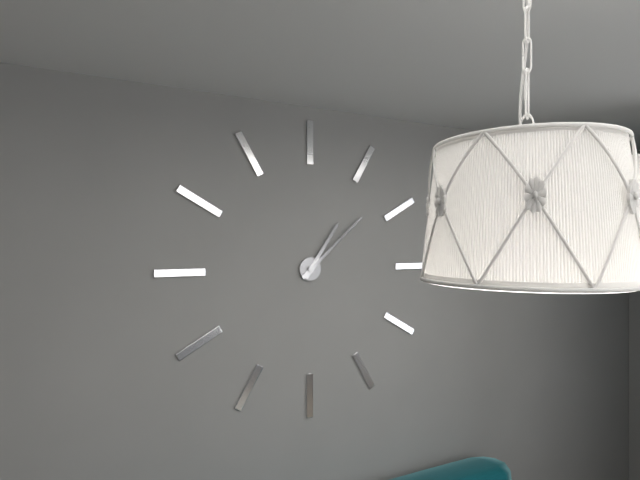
h=1 m=8
